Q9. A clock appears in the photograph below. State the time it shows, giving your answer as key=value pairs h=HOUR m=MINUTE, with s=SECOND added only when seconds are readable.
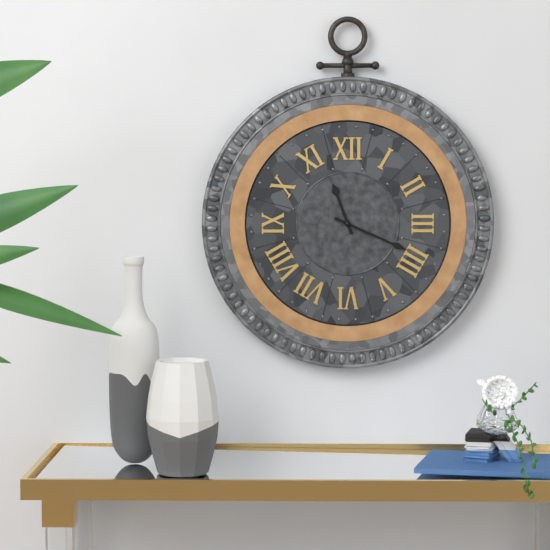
h=11 m=19
